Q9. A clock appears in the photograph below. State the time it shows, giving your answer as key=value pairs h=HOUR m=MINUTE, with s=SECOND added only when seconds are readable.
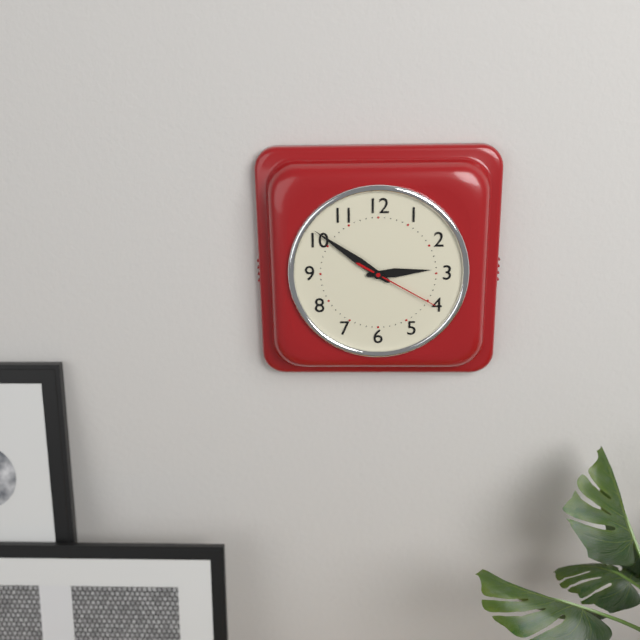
h=2 m=51 s=20
